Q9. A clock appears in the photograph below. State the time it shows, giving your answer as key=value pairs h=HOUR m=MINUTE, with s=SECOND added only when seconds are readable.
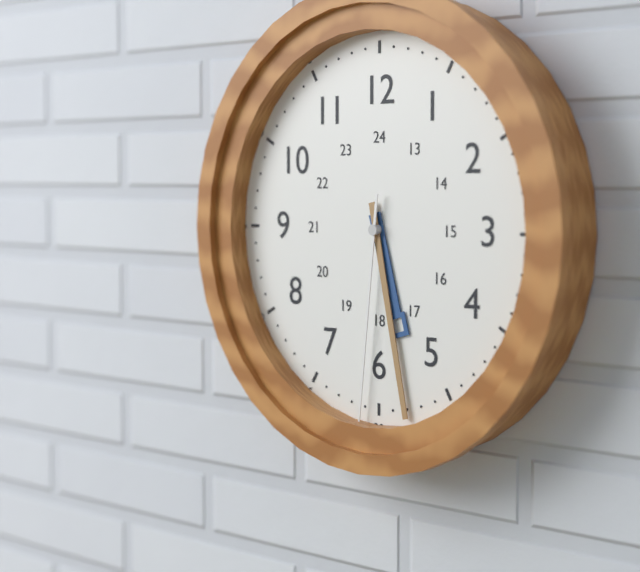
h=5 m=28 s=31
